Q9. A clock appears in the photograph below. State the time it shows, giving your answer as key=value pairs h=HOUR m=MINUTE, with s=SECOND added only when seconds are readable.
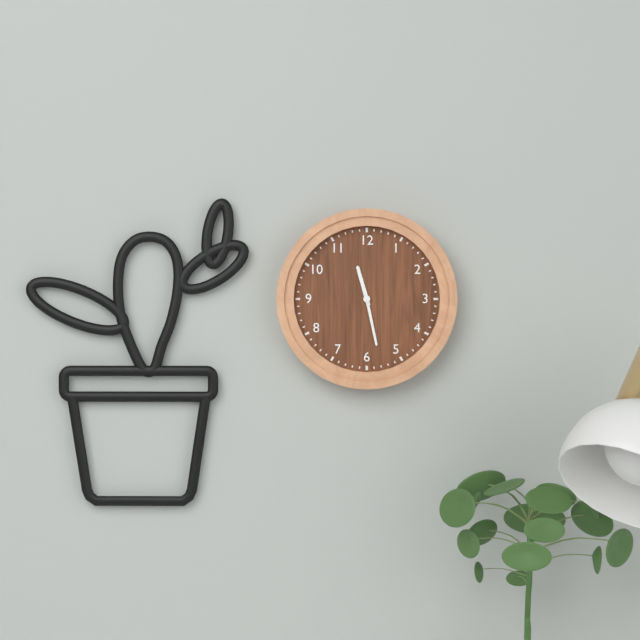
h=11 m=28
